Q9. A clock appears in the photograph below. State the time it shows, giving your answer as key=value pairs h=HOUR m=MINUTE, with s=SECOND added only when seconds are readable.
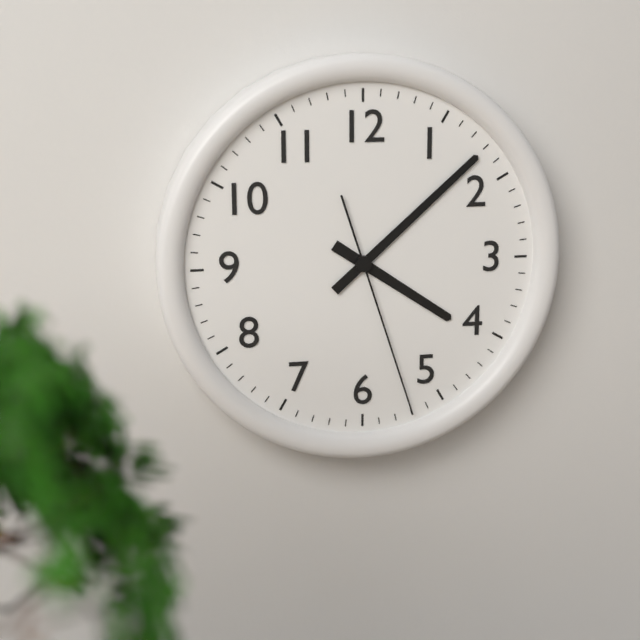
h=4 m=8 s=27
